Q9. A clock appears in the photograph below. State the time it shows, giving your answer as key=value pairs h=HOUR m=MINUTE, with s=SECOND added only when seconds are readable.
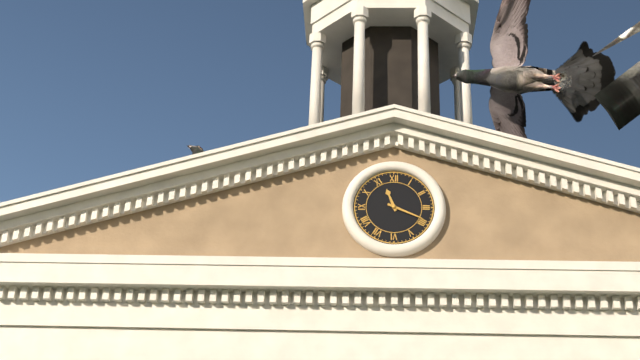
h=11 m=19
